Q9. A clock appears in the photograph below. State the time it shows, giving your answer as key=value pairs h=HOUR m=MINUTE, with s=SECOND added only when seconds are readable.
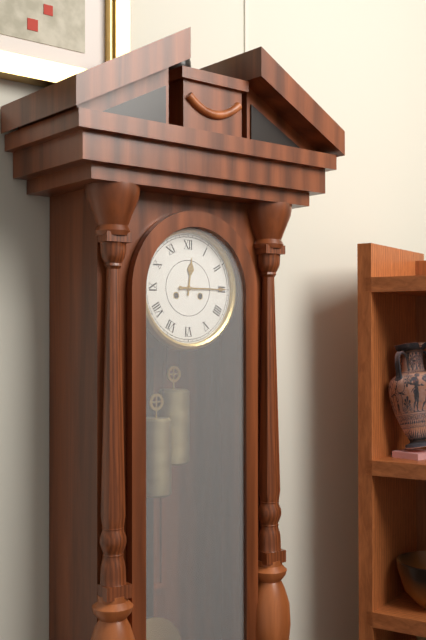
h=12 m=15
